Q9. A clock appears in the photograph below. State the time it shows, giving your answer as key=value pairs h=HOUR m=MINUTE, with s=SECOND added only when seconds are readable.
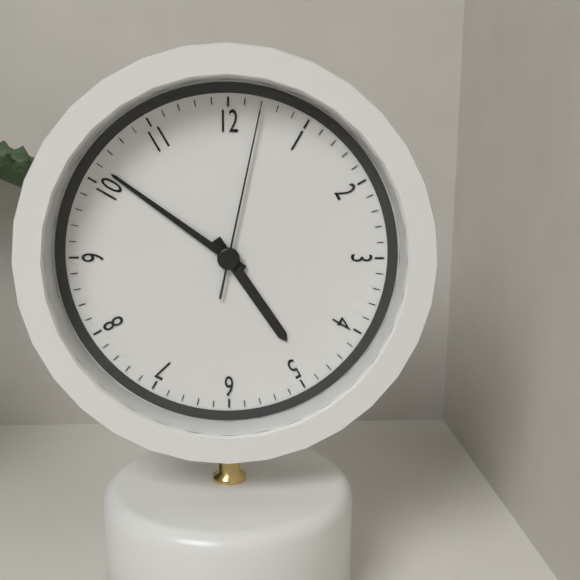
h=4 m=51 s=2
